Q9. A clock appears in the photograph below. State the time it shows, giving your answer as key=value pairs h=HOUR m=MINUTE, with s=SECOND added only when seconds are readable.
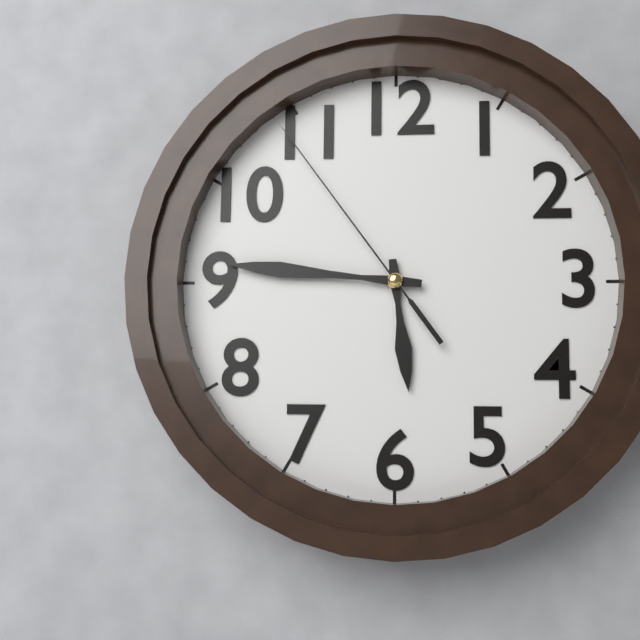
h=5 m=46 s=54
